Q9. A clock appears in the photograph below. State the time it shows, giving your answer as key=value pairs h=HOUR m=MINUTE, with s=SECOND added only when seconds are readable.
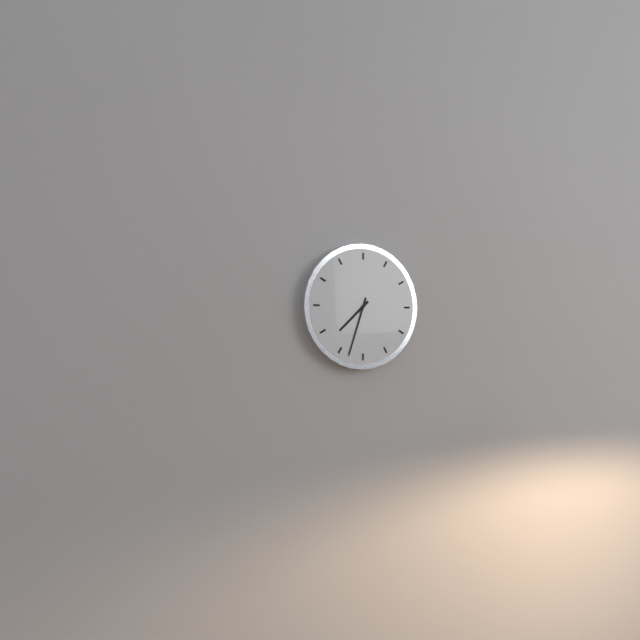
h=7 m=33
